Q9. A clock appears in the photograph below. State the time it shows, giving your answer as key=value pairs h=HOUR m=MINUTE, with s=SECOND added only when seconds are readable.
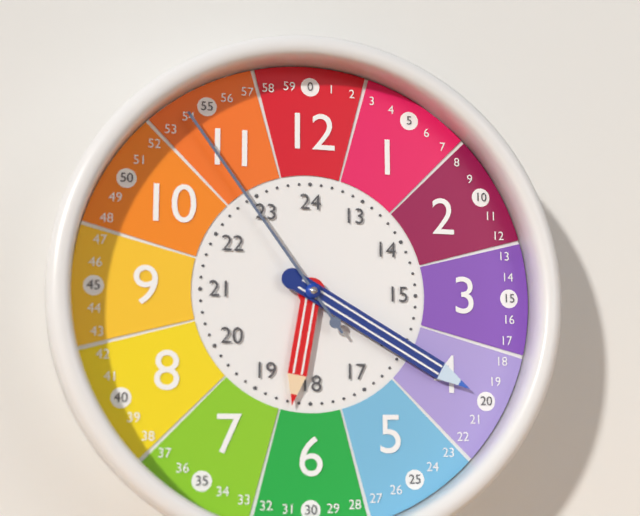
h=6 m=20 s=54
